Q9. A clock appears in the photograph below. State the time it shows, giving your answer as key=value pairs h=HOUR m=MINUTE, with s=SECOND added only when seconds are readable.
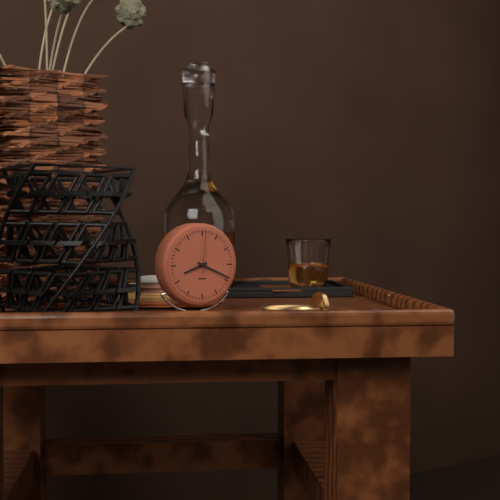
h=8 m=19
